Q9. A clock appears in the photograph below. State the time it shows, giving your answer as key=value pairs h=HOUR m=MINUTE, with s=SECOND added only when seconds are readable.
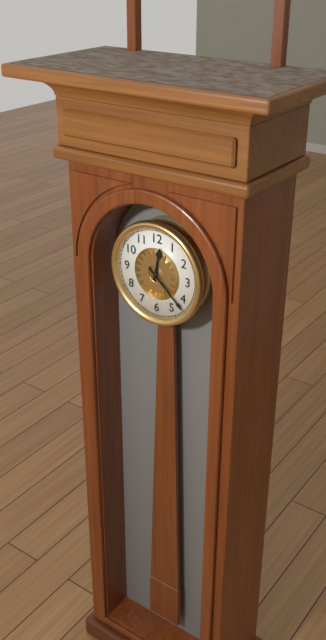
h=12 m=22
